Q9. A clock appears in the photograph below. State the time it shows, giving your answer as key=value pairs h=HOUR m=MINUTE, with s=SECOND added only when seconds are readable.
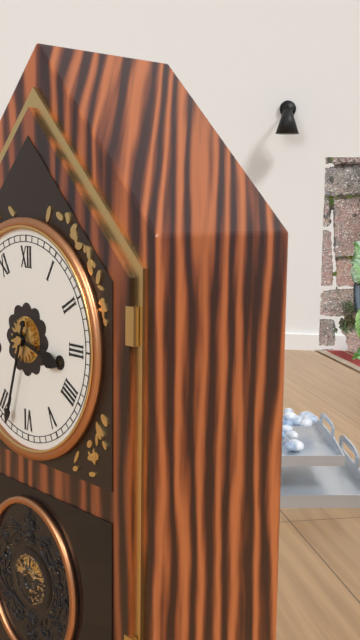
h=3 m=33
